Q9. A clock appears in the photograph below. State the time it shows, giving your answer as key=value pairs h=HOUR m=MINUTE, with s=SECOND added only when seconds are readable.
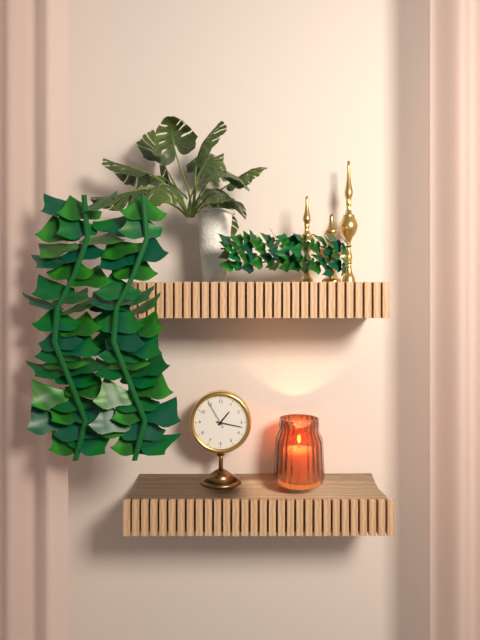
h=1 m=17
